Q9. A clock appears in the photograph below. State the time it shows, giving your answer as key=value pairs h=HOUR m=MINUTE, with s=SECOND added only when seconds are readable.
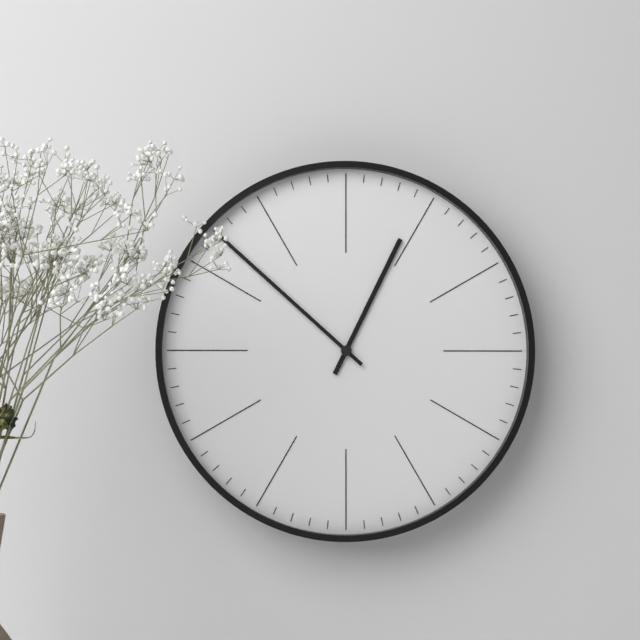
h=12 m=52
